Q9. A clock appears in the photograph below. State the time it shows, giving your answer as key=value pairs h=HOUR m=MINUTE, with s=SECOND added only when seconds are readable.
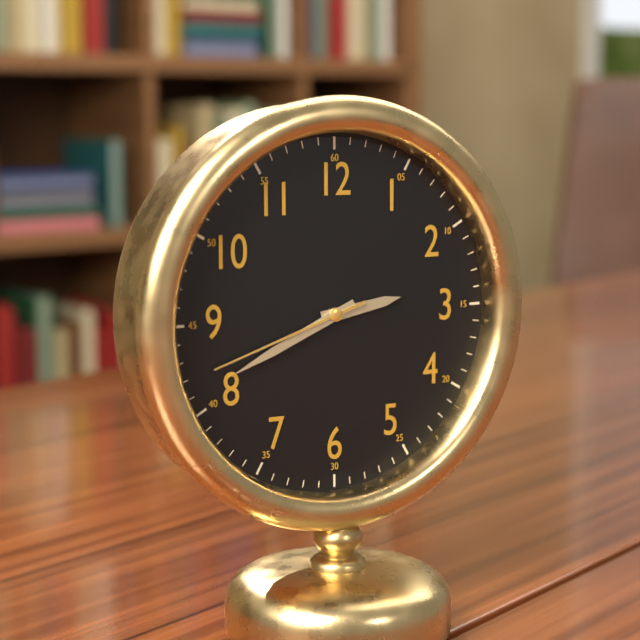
h=2 m=41 s=42
